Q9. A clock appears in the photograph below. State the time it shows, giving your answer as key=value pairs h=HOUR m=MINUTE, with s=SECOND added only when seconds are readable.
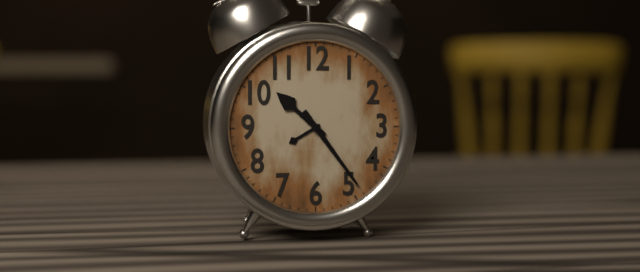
h=10 m=24
